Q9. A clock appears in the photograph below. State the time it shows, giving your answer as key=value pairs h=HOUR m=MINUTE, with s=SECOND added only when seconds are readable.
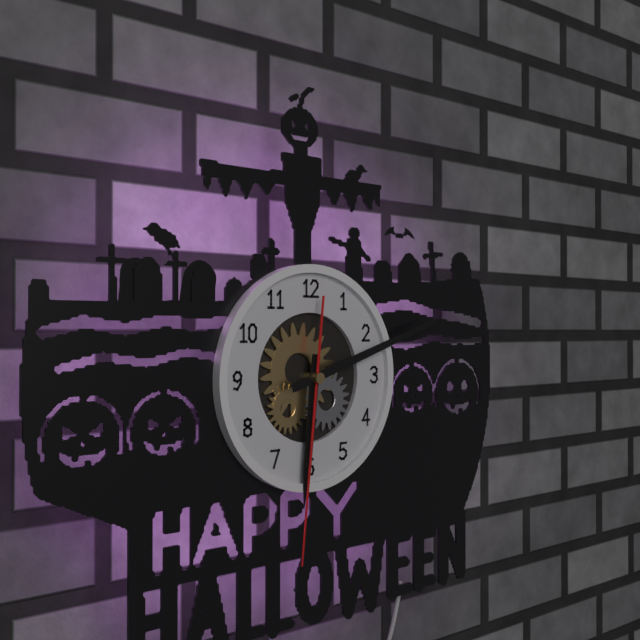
h=6 m=12 s=31
